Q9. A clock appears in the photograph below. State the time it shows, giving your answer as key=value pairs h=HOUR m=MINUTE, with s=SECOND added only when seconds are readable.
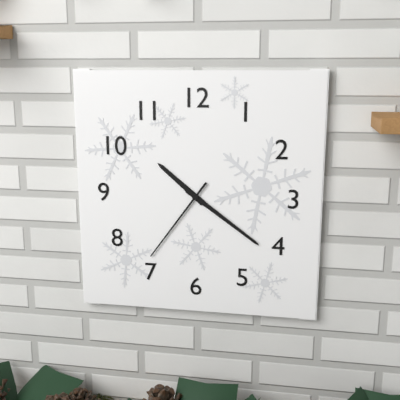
h=10 m=21 s=36
